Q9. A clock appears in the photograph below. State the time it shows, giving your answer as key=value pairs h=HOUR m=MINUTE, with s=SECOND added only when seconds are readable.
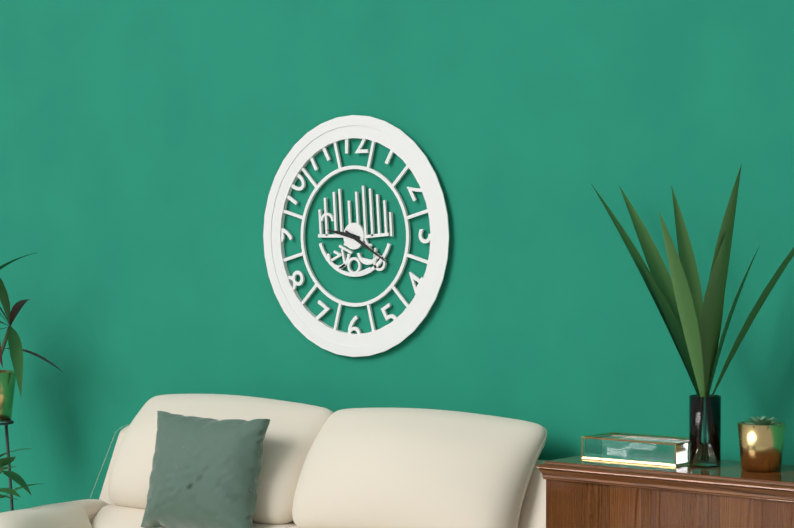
h=9 m=20
